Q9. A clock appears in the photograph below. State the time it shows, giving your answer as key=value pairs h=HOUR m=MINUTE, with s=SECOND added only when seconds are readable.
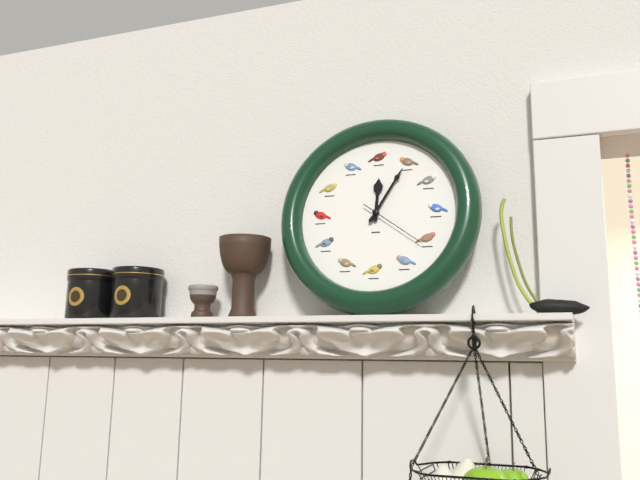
h=12 m=5 s=21
